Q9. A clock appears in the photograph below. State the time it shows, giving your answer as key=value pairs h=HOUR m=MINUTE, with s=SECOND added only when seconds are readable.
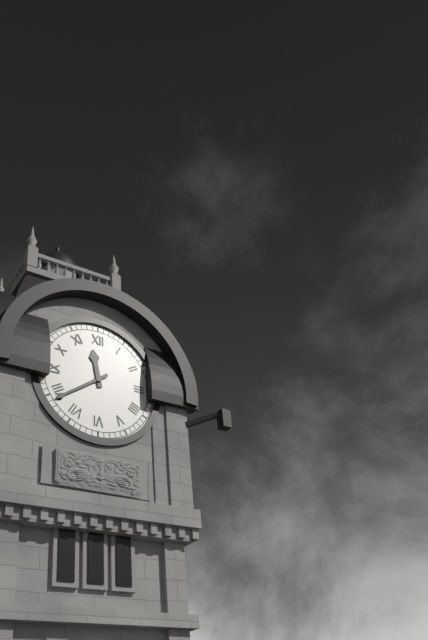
h=11 m=39
